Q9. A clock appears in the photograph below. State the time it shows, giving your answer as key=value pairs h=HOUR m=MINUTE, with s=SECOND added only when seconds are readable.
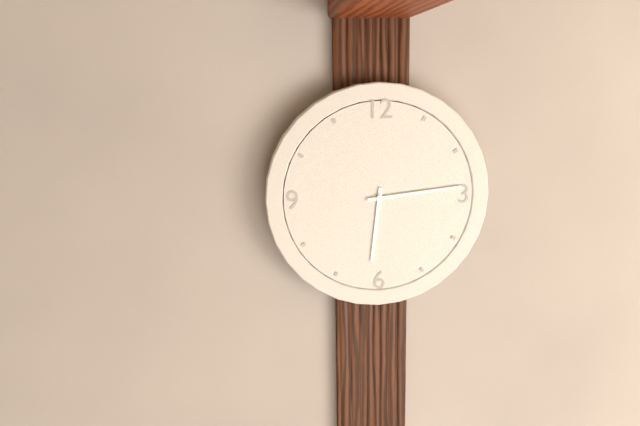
h=6 m=14
